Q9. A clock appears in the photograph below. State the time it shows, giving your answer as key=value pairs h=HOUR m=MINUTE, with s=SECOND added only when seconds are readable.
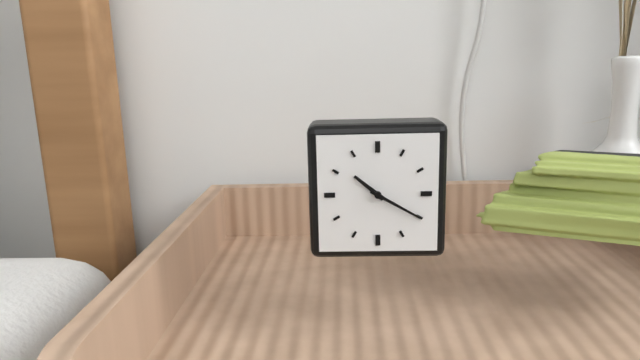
h=10 m=20
